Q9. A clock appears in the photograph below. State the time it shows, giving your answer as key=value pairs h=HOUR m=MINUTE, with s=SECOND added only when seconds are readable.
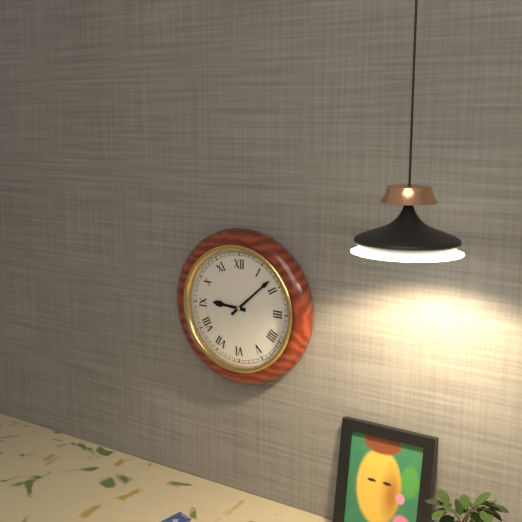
h=9 m=8
